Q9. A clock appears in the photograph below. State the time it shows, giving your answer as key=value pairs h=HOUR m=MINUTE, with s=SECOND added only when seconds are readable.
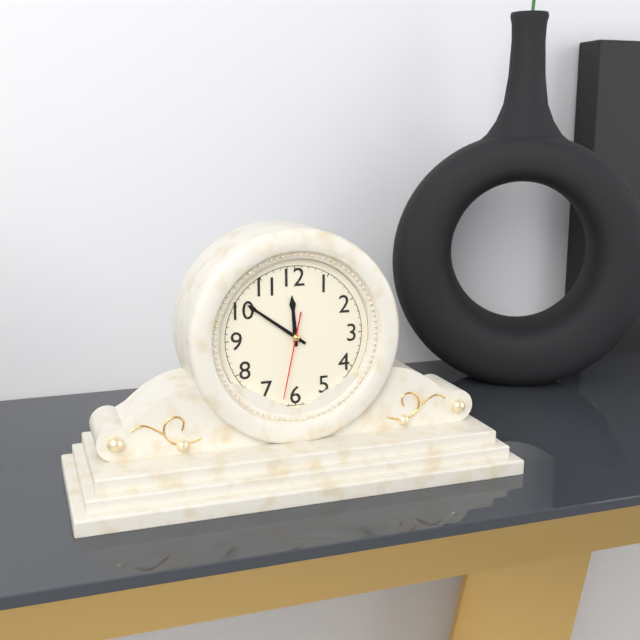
h=11 m=51 s=32
